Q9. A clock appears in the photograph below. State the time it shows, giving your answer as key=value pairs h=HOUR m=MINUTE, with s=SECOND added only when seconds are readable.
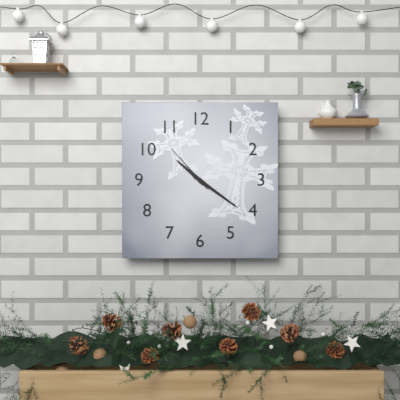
h=10 m=21 s=53
